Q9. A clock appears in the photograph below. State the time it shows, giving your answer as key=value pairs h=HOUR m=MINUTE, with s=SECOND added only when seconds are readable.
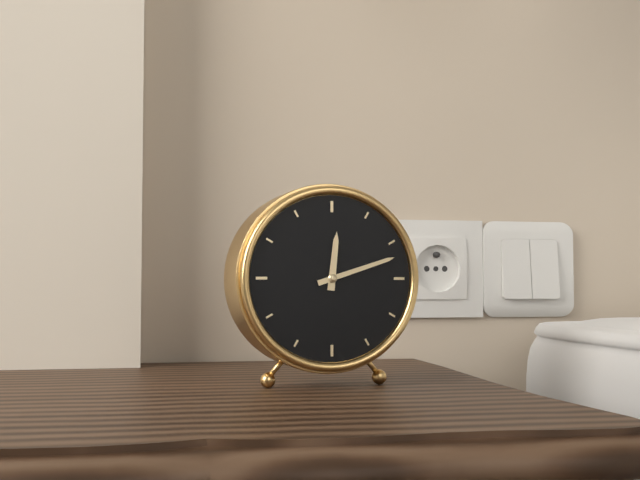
h=12 m=12
